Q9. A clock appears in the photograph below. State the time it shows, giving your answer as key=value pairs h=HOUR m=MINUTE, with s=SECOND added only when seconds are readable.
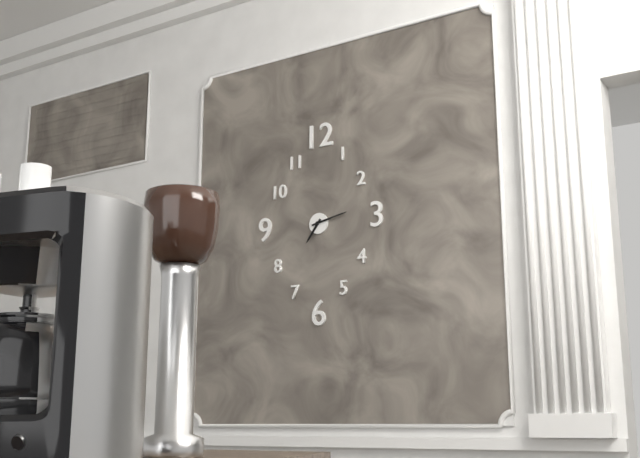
h=7 m=13
